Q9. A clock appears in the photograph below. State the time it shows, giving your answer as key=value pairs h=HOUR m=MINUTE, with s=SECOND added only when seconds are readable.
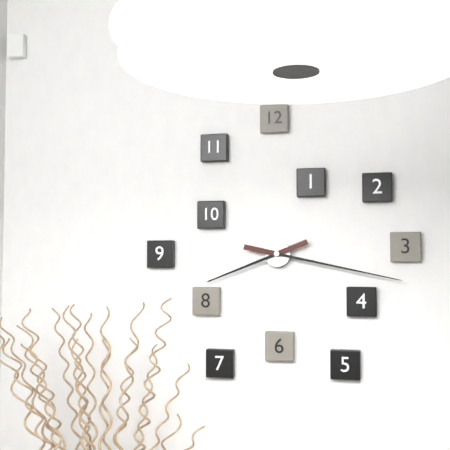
h=8 m=17
